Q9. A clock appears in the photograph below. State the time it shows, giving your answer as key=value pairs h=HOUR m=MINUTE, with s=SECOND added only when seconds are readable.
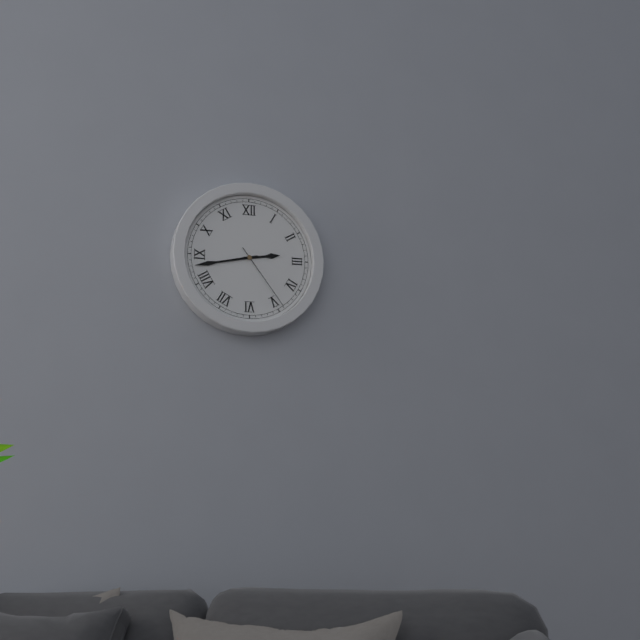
h=2 m=43 s=24
